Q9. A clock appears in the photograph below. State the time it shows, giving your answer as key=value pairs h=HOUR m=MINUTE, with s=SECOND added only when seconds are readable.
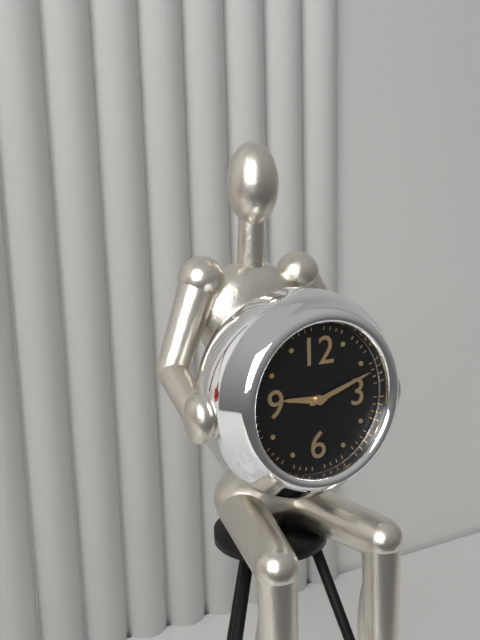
h=9 m=12
